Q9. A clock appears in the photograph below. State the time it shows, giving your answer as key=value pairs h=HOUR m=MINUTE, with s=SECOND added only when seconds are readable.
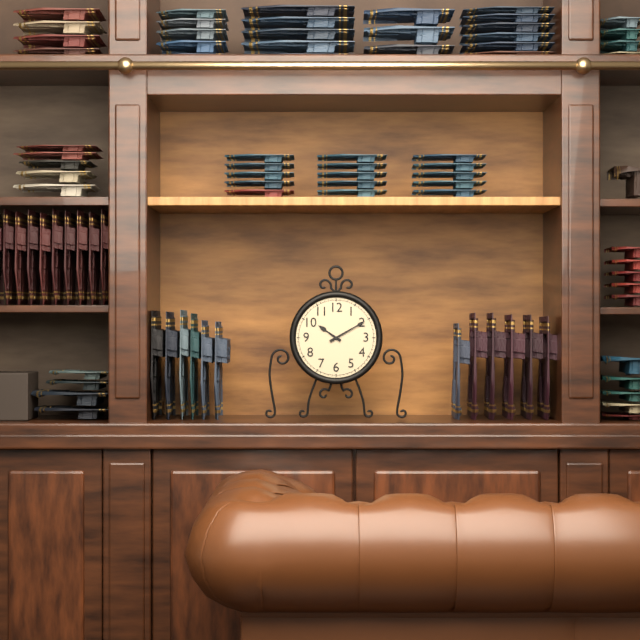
h=10 m=10
